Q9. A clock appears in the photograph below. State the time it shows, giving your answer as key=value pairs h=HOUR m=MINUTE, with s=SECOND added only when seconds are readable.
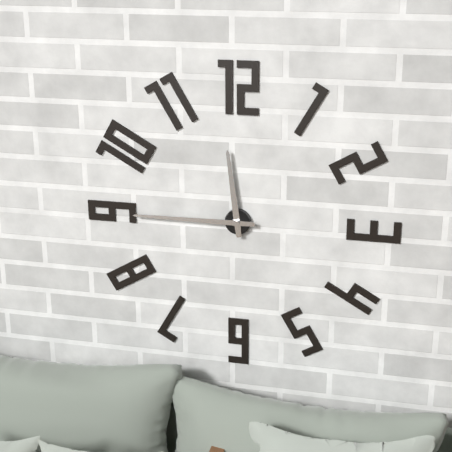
h=11 m=45
